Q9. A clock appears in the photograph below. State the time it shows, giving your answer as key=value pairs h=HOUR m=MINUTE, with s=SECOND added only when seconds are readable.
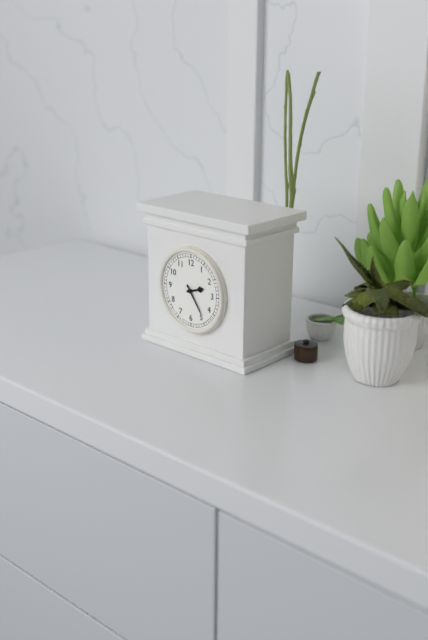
h=2 m=24
